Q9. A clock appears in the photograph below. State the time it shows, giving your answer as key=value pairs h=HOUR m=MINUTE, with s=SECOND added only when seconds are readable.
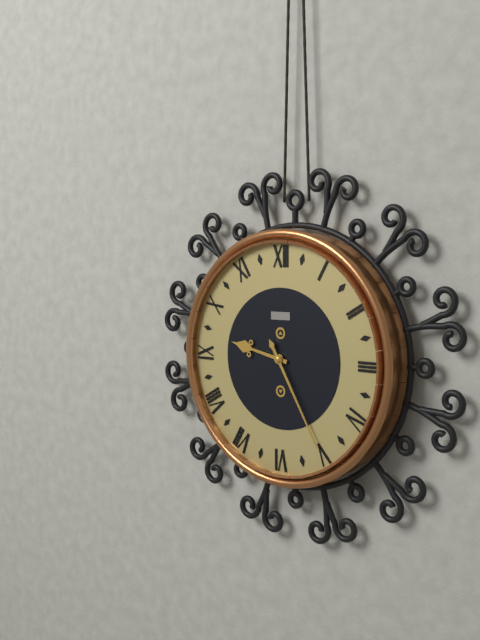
h=9 m=25
